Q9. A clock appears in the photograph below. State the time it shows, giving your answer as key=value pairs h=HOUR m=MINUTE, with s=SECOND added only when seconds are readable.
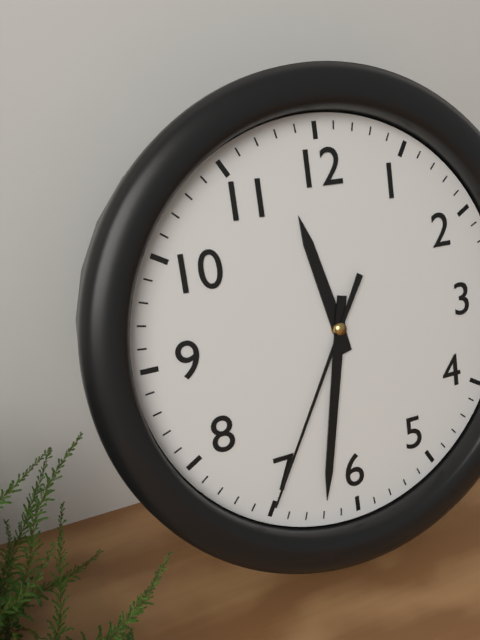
h=11 m=32 s=35
